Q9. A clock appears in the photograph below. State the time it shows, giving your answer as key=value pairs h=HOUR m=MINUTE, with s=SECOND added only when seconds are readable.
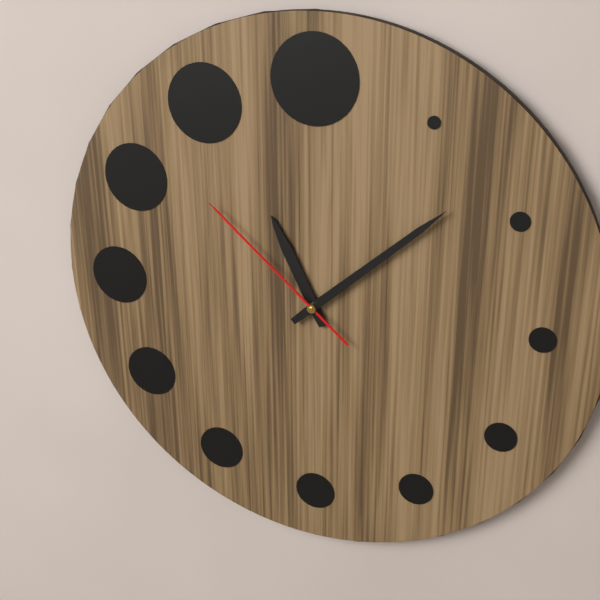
h=11 m=8 s=52
